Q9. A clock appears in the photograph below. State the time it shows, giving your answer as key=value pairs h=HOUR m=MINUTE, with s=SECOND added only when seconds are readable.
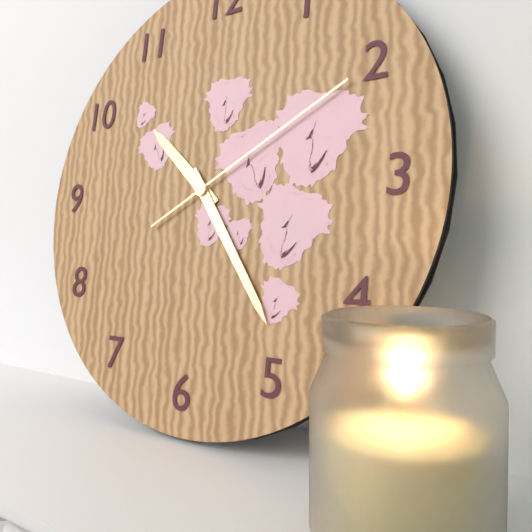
h=10 m=24 s=10
